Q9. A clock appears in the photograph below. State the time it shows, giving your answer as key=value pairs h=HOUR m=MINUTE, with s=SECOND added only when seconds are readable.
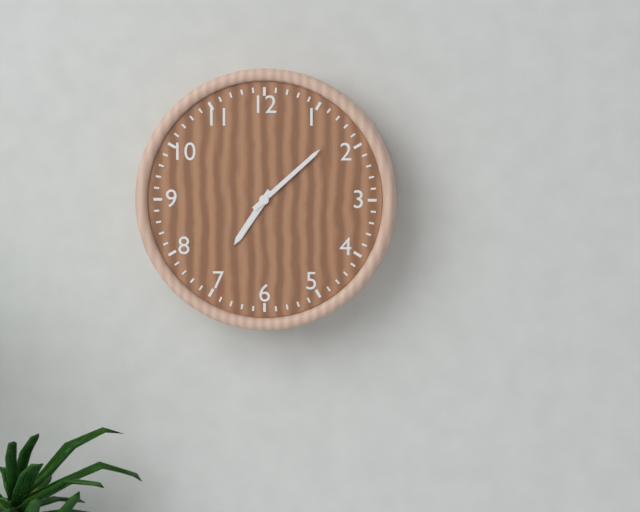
h=7 m=8
